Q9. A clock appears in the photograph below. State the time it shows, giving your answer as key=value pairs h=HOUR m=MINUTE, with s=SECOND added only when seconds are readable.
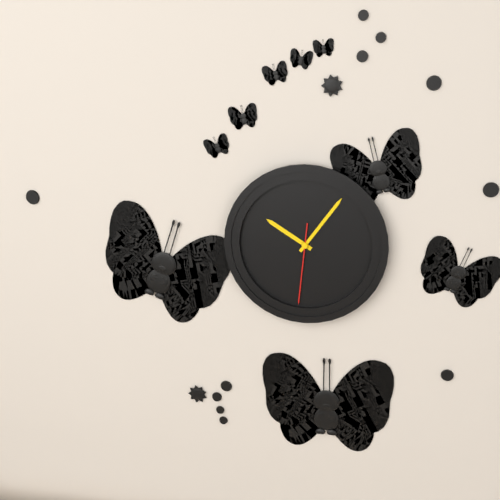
h=10 m=6 s=31
